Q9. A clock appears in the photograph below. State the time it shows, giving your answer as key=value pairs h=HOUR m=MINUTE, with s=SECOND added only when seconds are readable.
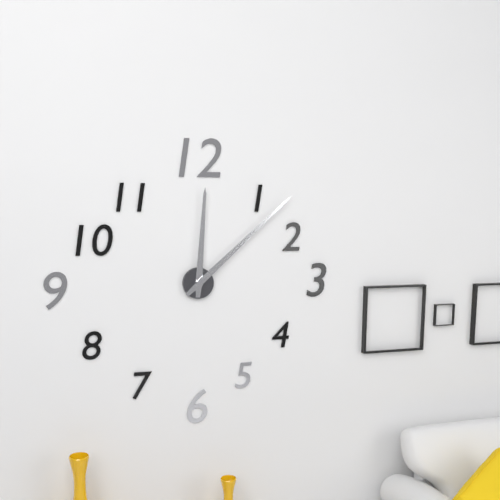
h=12 m=8
